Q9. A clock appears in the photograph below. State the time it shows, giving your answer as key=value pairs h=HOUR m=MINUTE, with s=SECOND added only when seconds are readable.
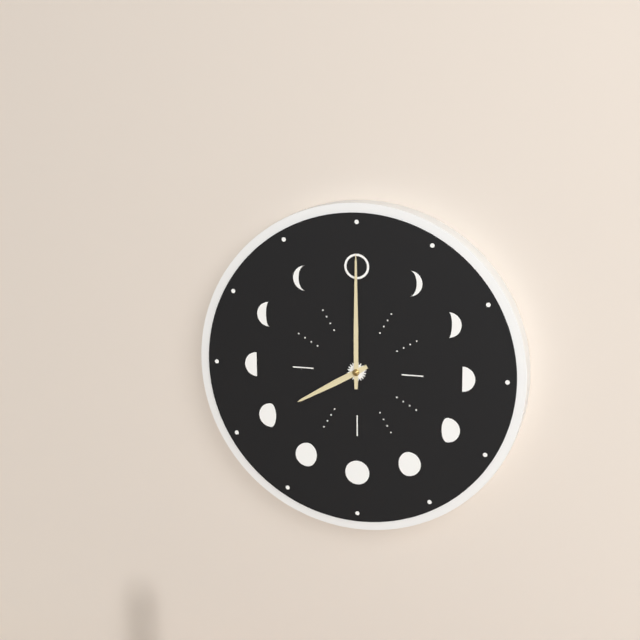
h=8 m=0
